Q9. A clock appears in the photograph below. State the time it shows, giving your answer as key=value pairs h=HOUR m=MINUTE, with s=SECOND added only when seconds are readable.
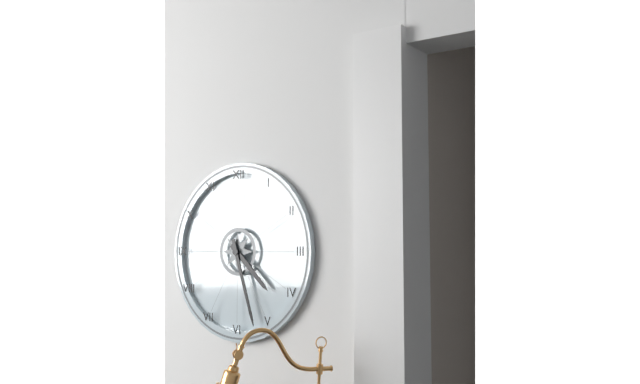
h=4 m=27
